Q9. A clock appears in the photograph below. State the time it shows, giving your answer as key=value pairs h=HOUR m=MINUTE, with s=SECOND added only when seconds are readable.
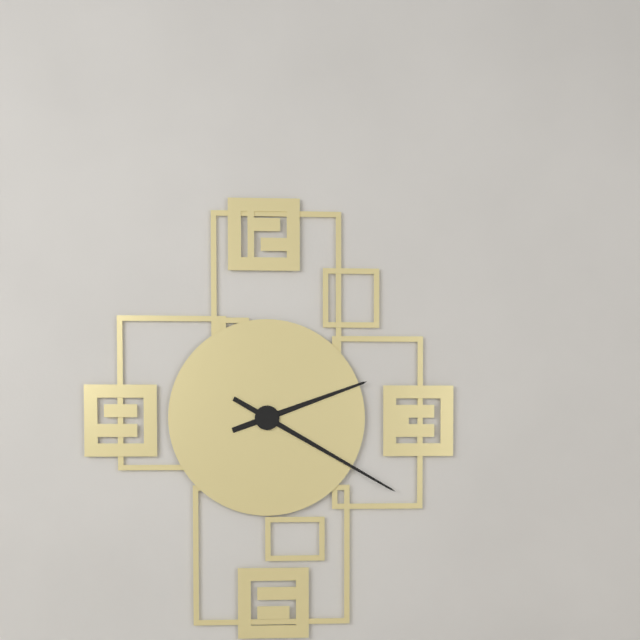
h=2 m=20
